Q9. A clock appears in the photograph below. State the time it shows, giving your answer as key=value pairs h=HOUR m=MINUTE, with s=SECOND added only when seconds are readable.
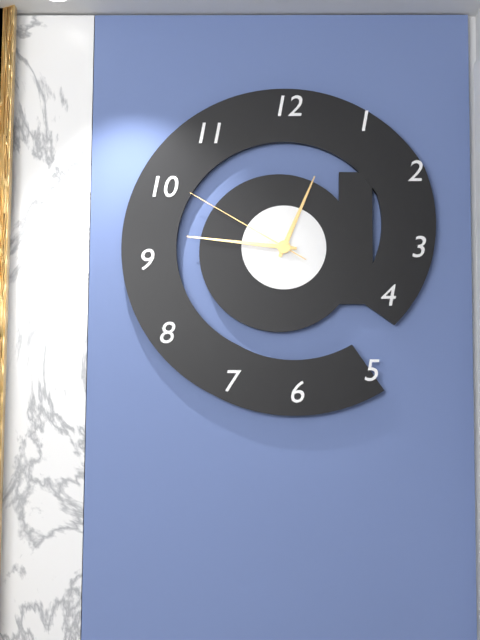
h=12 m=46 s=50
